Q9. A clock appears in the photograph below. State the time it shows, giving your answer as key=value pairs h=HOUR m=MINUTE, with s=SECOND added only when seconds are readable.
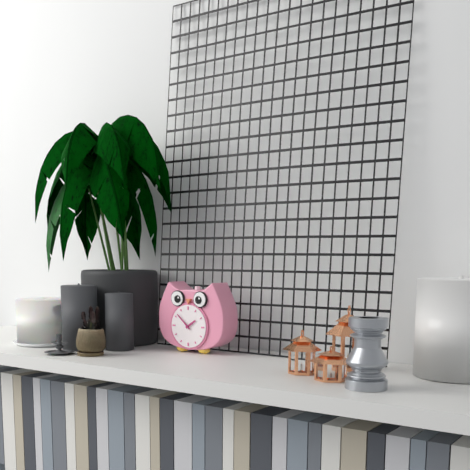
h=1 m=52
